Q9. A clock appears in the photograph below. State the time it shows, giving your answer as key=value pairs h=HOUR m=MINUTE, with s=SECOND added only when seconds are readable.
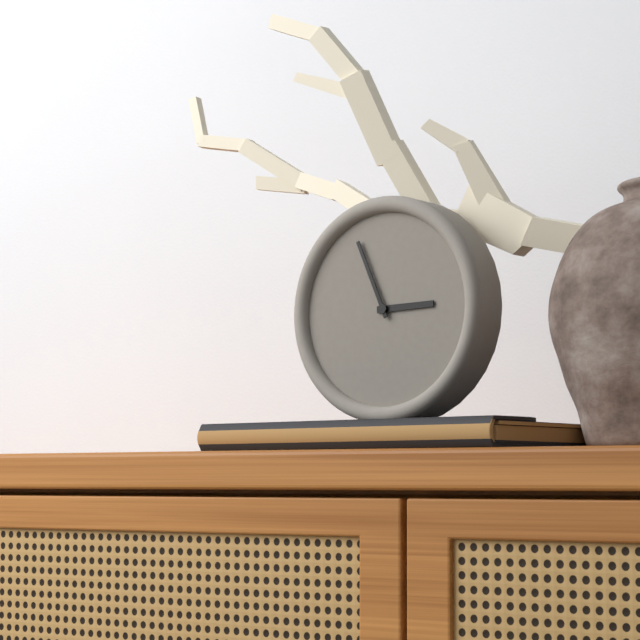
h=2 m=56
